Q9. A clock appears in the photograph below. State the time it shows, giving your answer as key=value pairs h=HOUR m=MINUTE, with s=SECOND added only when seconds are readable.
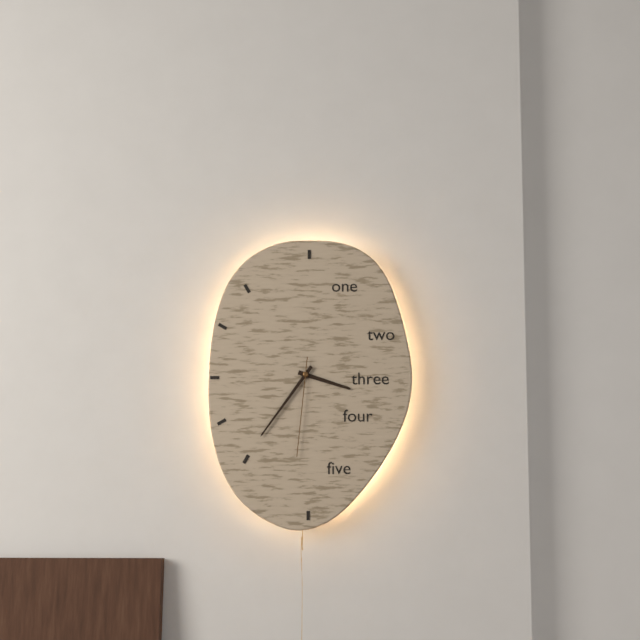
h=3 m=36 s=31
